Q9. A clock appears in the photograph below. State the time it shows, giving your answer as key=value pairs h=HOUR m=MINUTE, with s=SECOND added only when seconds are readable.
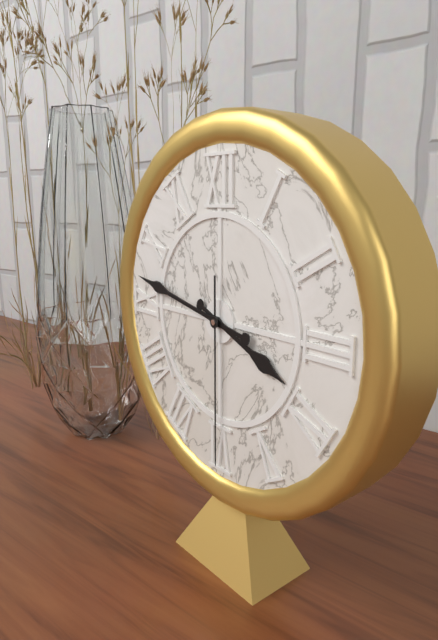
h=3 m=47 s=30
